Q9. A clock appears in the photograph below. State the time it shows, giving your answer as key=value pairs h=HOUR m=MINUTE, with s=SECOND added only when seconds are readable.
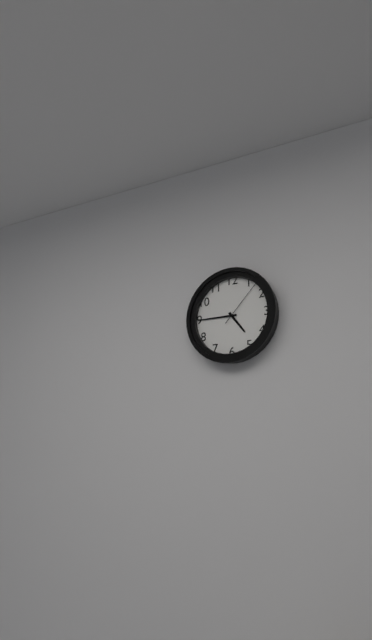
h=4 m=45 s=7
